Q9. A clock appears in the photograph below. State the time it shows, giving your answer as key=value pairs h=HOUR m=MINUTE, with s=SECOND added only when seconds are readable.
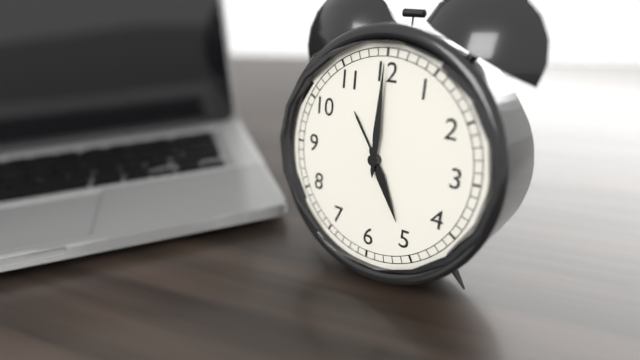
h=5 m=0
